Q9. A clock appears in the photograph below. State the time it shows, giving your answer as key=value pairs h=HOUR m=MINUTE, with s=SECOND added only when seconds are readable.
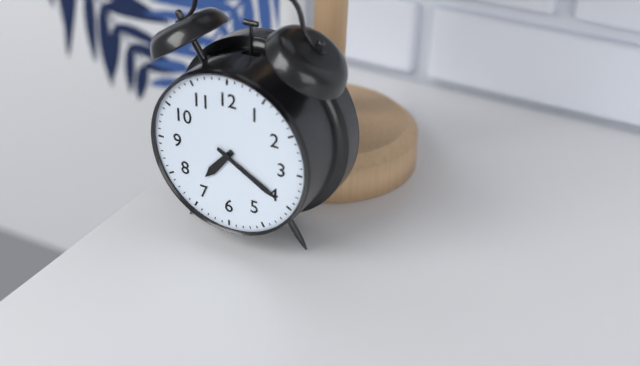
h=7 m=20
